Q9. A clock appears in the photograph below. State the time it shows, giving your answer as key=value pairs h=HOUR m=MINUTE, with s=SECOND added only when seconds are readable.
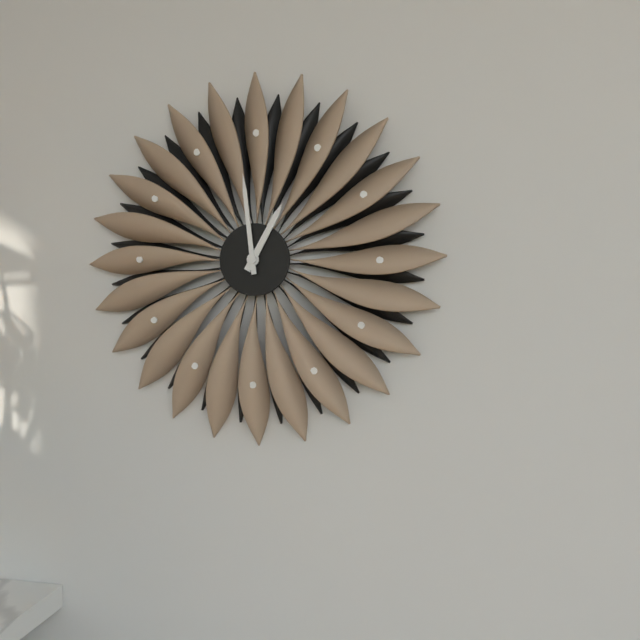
h=12 m=59
